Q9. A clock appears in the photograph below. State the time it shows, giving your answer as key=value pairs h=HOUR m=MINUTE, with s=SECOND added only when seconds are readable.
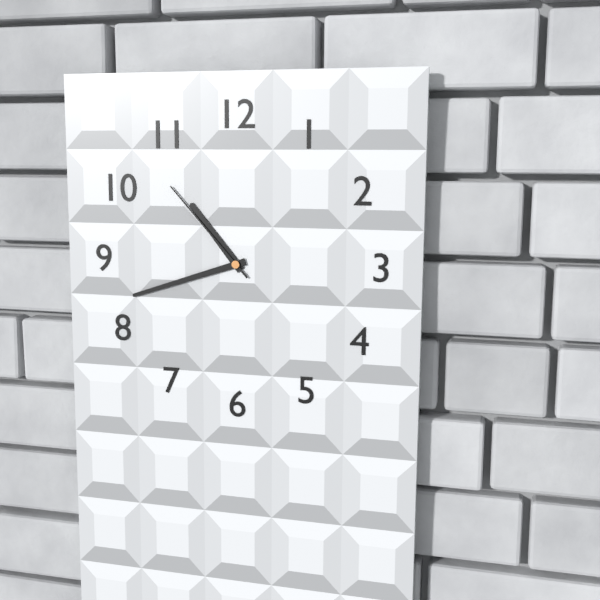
h=10 m=42 s=53
